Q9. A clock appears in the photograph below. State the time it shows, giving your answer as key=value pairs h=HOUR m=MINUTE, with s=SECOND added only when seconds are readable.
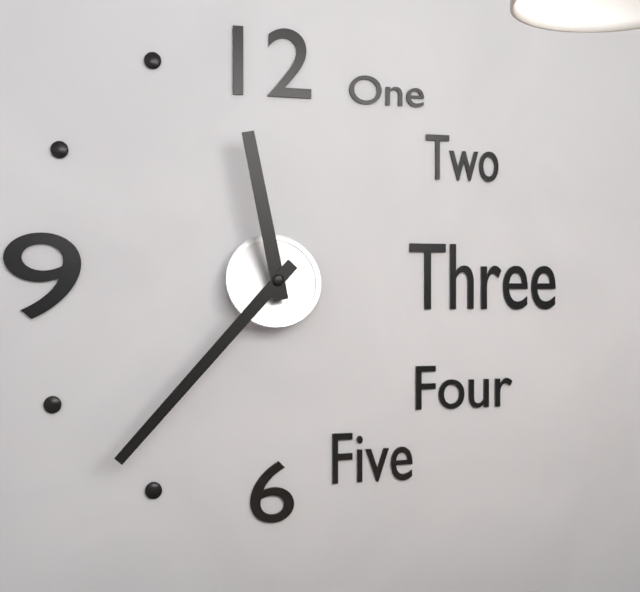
h=11 m=37
